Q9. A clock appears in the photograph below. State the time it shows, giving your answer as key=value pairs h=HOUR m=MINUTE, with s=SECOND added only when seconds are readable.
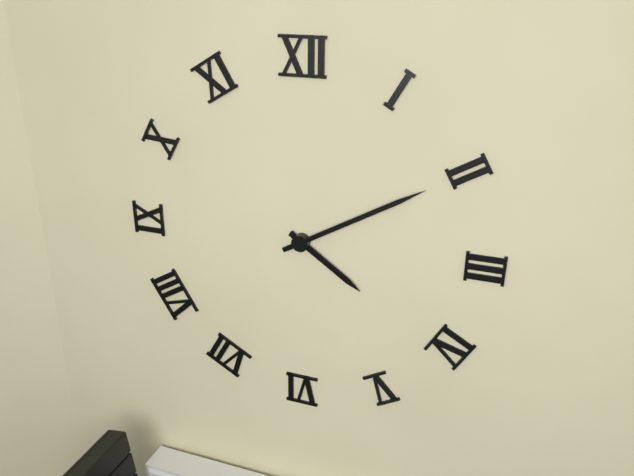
h=4 m=10
